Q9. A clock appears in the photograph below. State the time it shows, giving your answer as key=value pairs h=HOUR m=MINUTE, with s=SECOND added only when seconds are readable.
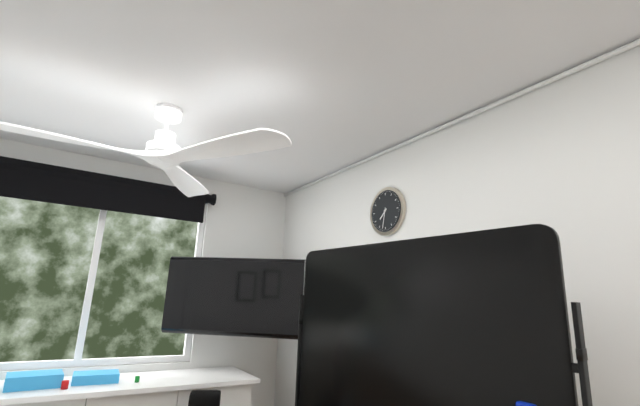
h=7 m=32
